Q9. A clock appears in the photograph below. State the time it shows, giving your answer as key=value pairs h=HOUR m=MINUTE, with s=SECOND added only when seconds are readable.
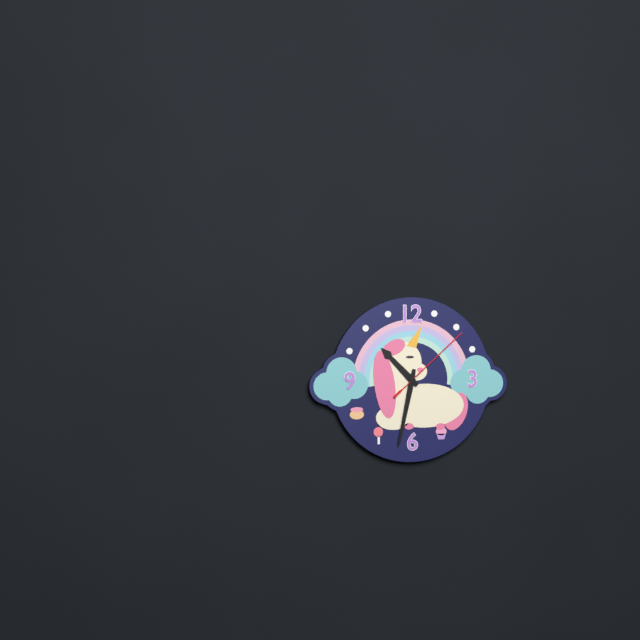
h=10 m=32 s=8
